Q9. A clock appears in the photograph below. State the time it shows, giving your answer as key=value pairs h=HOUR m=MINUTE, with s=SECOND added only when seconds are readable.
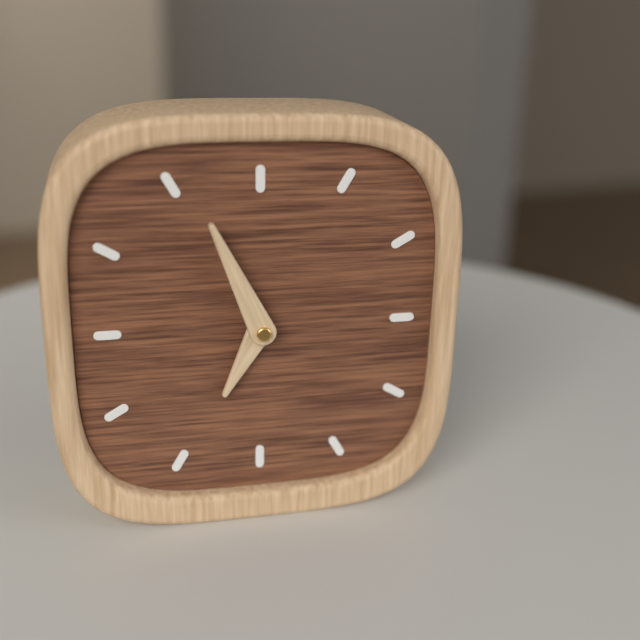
h=6 m=56
